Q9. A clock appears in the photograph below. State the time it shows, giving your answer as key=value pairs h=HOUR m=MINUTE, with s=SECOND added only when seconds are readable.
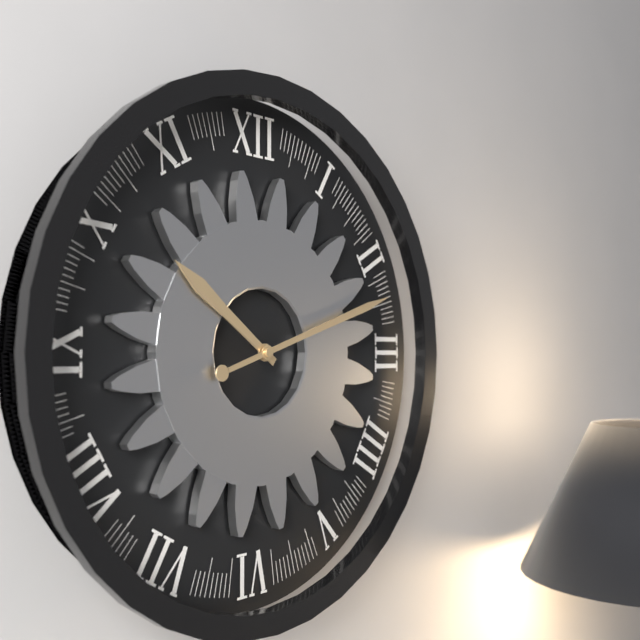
h=10 m=12
